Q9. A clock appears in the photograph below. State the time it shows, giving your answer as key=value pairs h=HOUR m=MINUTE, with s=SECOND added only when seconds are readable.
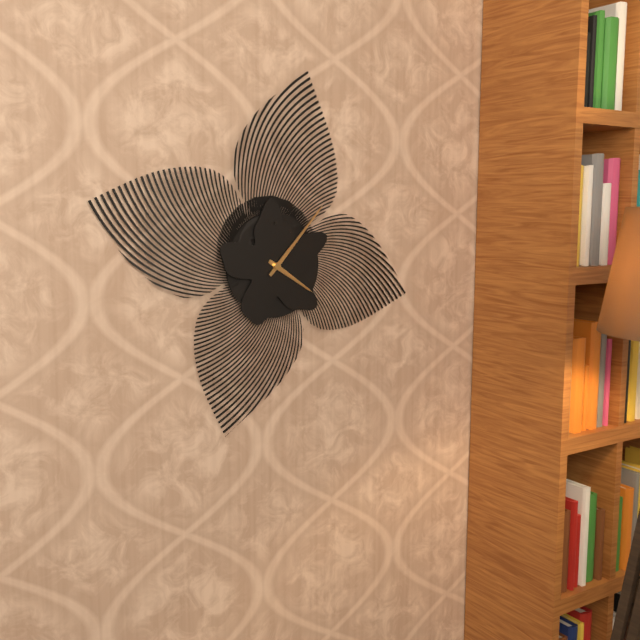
h=4 m=7
